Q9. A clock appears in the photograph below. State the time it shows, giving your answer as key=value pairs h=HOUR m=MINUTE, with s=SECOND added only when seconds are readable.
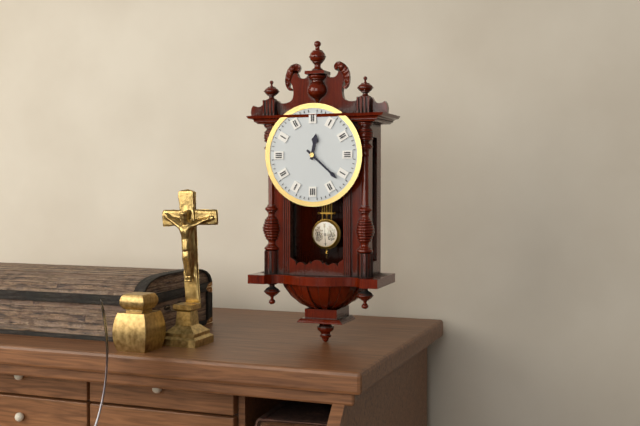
h=12 m=22
